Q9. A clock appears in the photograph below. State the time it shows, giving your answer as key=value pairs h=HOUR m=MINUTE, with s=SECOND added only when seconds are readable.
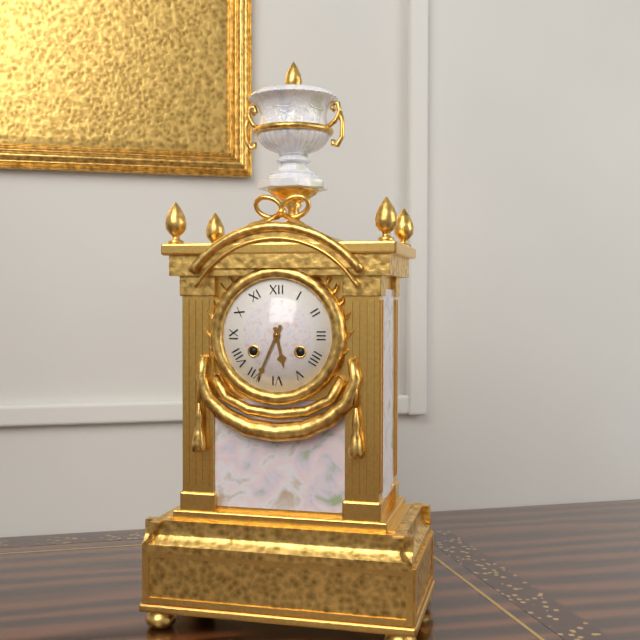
h=5 m=34
